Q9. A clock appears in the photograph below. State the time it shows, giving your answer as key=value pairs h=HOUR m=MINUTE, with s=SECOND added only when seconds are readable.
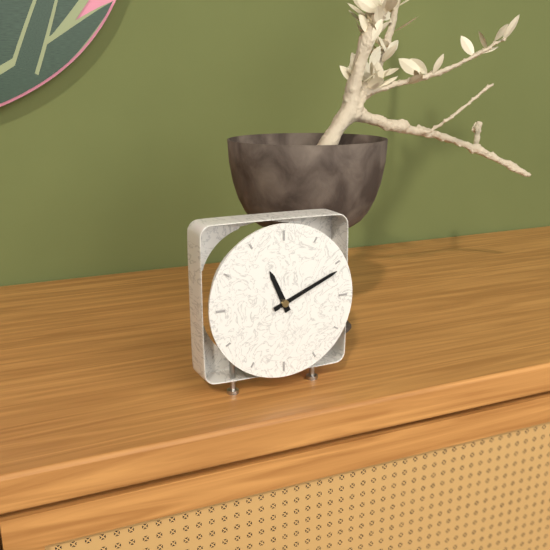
h=11 m=11
